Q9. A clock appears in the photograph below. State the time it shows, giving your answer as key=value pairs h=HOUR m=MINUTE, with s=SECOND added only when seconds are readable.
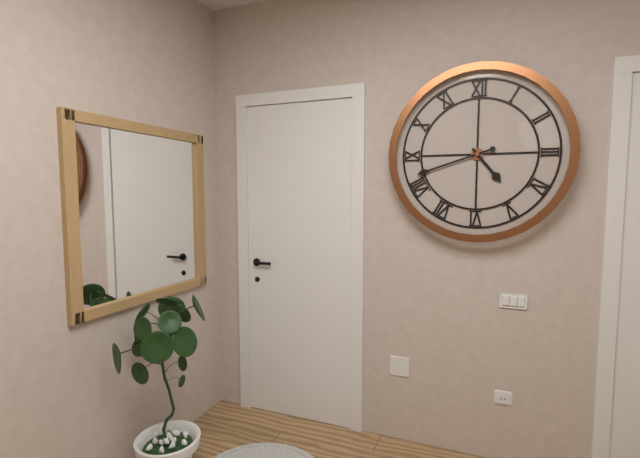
h=4 m=42
